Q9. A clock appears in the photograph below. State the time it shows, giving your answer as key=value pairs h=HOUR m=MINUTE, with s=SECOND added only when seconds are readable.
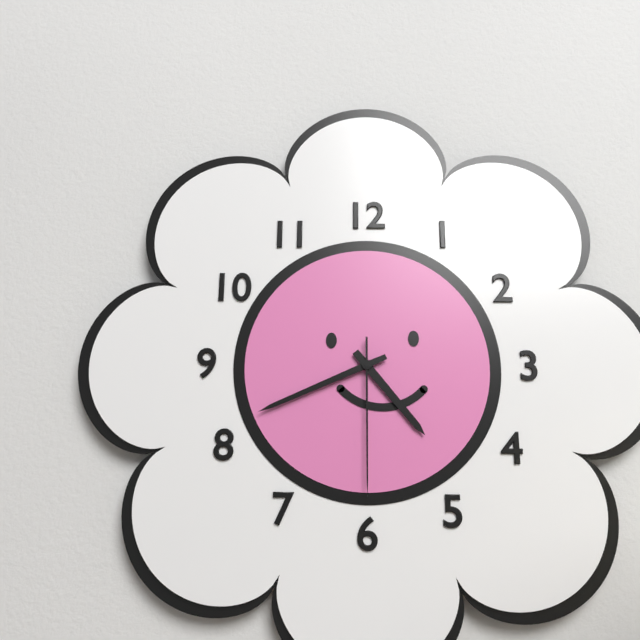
h=4 m=41 s=30
